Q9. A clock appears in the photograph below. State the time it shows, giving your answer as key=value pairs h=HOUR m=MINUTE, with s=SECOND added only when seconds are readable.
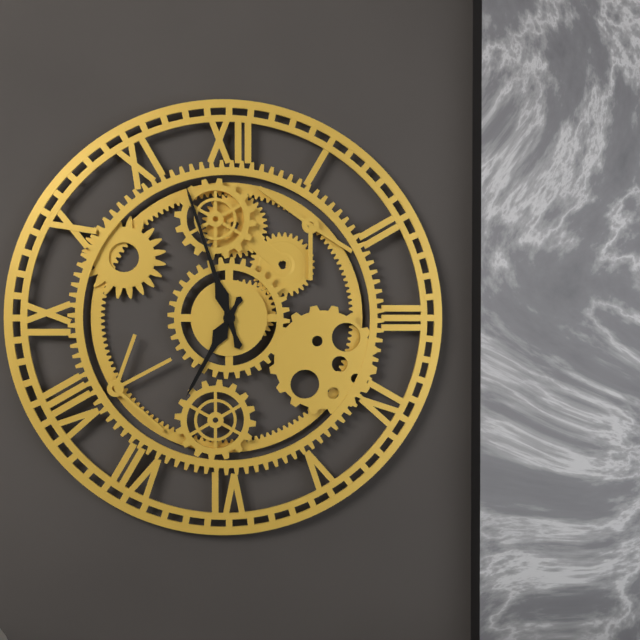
h=6 m=57
